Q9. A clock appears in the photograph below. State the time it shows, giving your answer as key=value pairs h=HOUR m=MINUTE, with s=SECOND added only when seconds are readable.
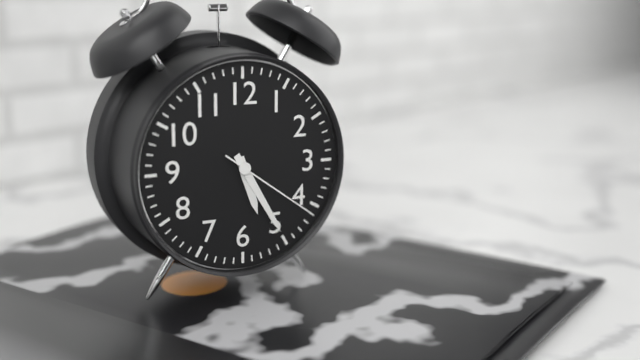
h=5 m=25 s=21
